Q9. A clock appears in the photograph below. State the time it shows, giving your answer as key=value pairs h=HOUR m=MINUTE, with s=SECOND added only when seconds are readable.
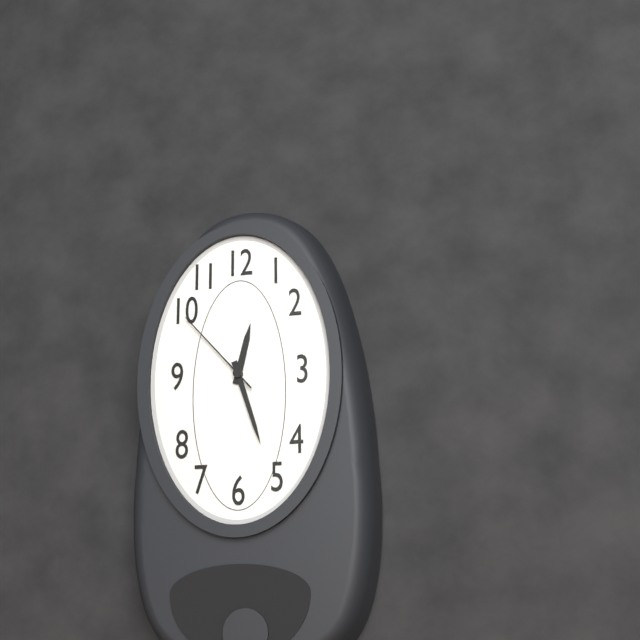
h=12 m=27 s=53
